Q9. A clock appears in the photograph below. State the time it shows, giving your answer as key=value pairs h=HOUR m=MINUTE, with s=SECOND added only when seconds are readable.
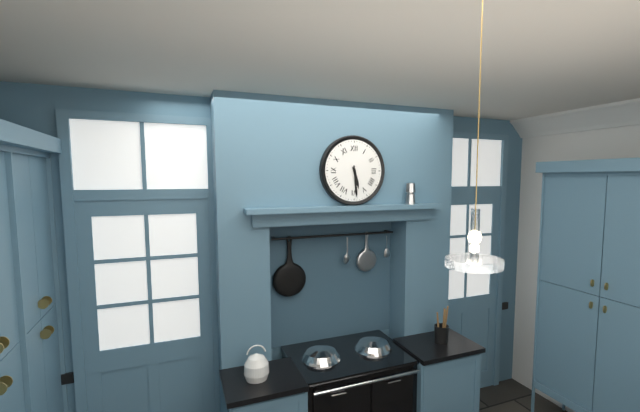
h=5 m=29
